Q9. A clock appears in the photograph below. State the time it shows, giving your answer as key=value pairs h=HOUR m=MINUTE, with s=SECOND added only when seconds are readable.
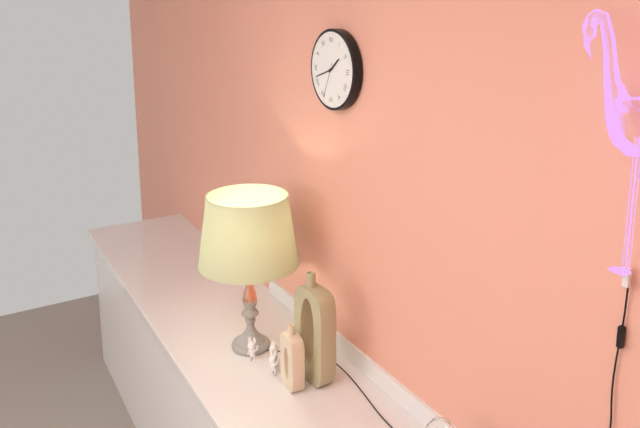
h=1 m=42
